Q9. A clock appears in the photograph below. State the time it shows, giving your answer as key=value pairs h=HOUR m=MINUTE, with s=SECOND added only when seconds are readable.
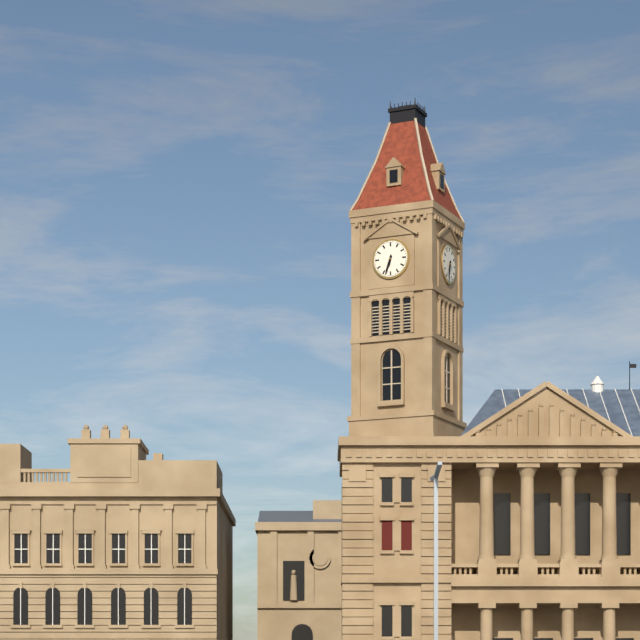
h=6 m=33
